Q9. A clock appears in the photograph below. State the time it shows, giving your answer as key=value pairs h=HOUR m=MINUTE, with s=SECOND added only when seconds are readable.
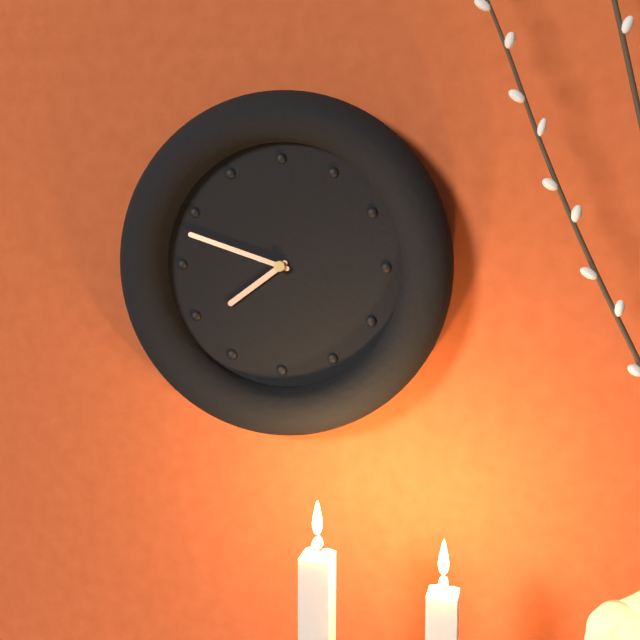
h=7 m=48
